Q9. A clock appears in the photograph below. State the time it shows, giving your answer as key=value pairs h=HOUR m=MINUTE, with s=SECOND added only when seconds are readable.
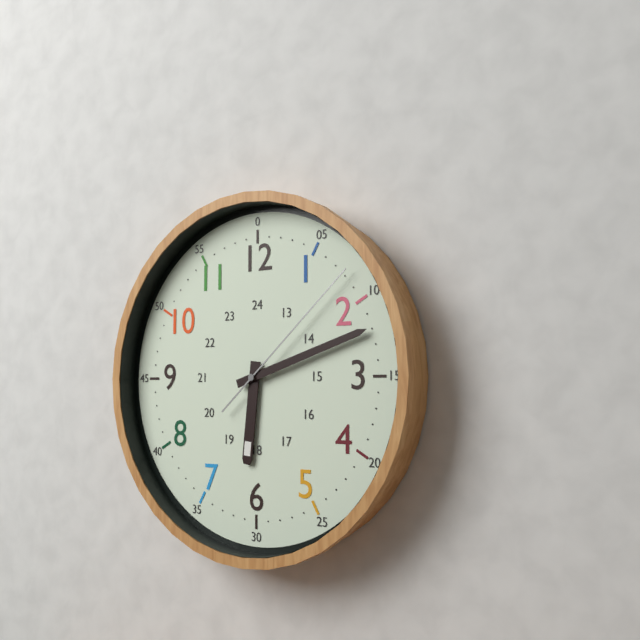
h=6 m=12 s=8
